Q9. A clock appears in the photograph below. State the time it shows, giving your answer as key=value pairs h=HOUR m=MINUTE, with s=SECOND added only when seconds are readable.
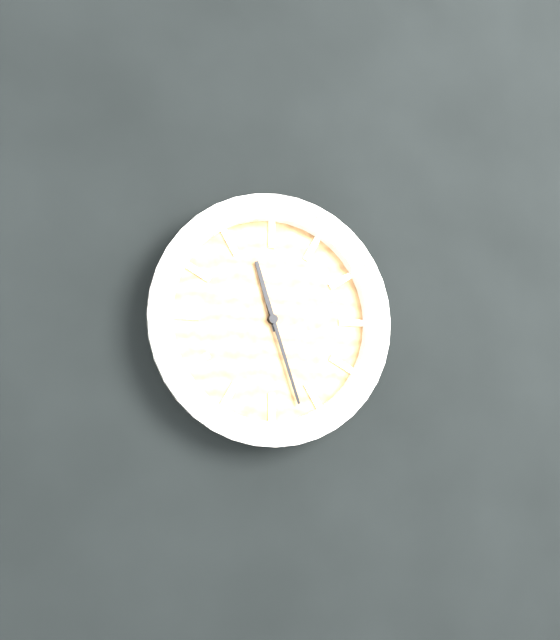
h=11 m=27
